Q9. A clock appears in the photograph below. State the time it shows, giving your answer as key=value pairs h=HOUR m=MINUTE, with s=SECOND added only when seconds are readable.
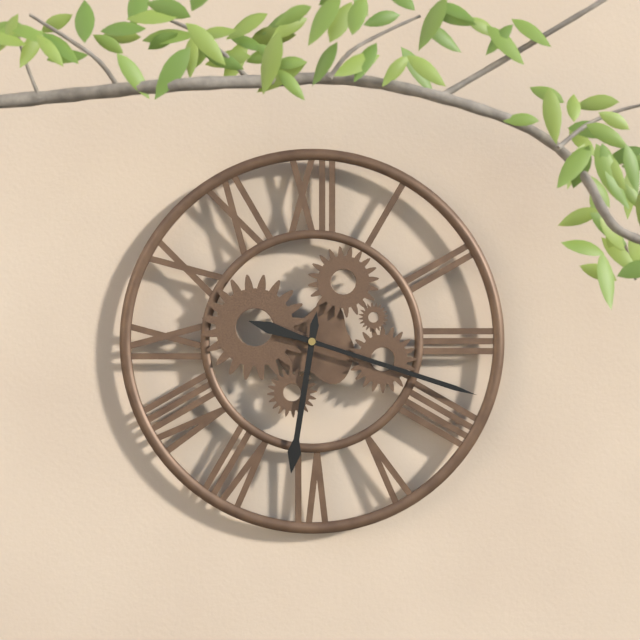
h=6 m=18
